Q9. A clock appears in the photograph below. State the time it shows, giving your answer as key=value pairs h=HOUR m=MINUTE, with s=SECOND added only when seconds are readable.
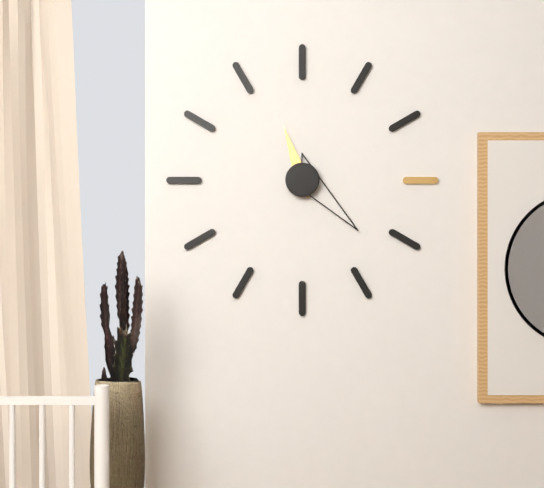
h=11 m=22
